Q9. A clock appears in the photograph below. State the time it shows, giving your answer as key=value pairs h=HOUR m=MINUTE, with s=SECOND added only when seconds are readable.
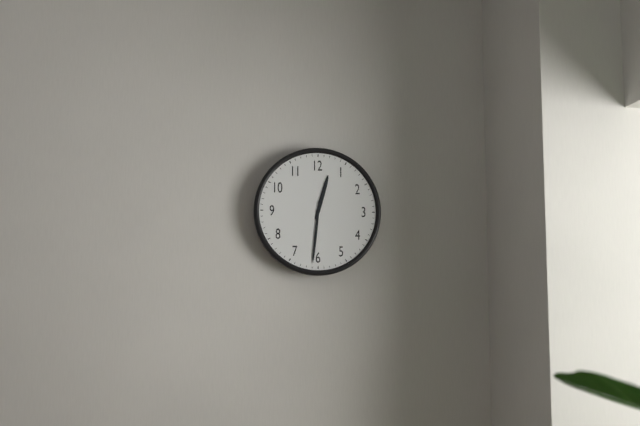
h=12 m=31
